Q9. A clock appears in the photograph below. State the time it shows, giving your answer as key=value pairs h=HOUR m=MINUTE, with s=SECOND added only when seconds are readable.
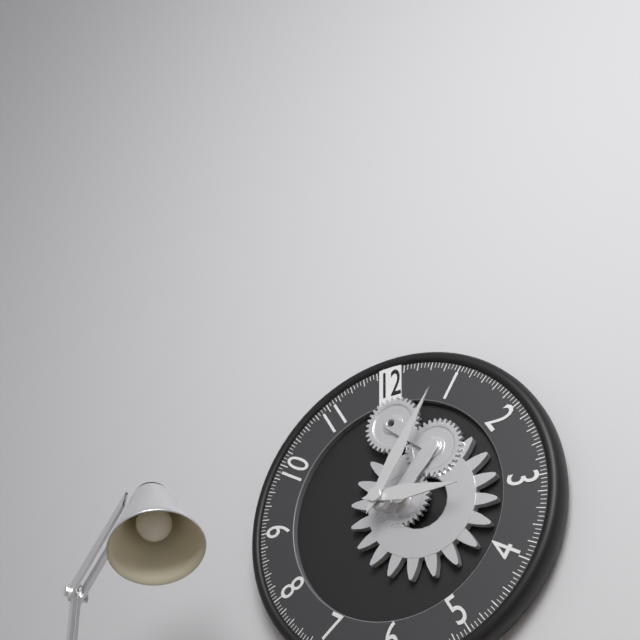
h=3 m=5
